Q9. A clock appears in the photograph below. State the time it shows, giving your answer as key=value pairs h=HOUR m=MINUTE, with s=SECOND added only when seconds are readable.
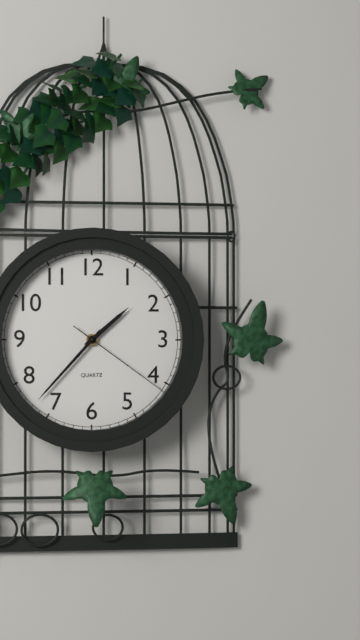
h=1 m=37 s=21
